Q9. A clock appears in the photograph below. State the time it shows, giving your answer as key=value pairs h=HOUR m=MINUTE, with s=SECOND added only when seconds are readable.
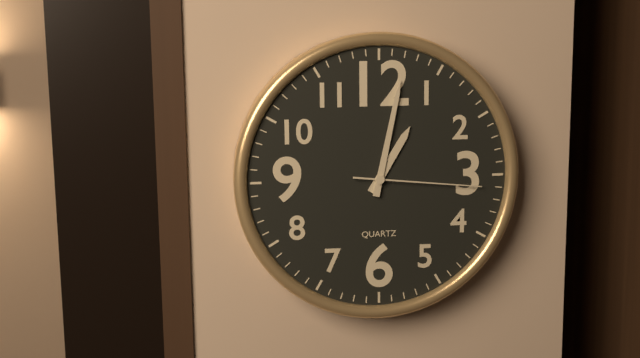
h=1 m=2 s=16
